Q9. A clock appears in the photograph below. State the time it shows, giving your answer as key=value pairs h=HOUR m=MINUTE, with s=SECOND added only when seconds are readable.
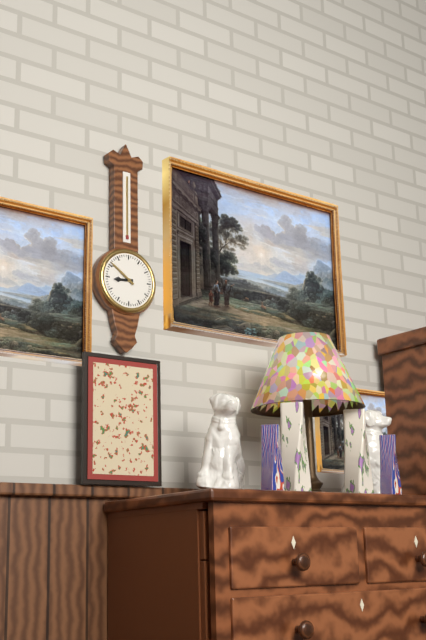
h=8 m=51
